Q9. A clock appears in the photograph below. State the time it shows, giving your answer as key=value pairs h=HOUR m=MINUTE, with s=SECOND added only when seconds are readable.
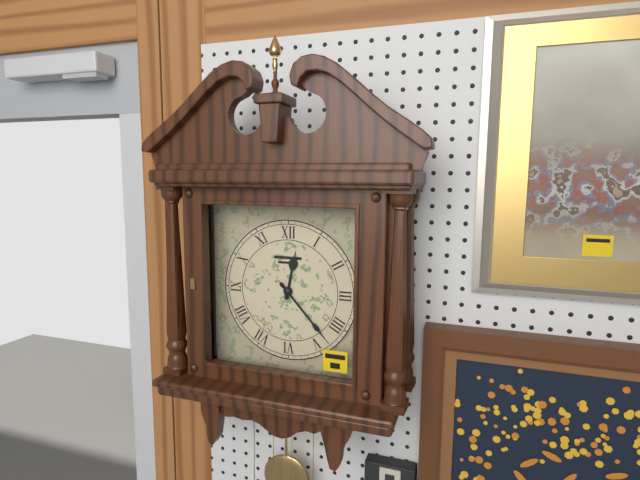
h=12 m=23
